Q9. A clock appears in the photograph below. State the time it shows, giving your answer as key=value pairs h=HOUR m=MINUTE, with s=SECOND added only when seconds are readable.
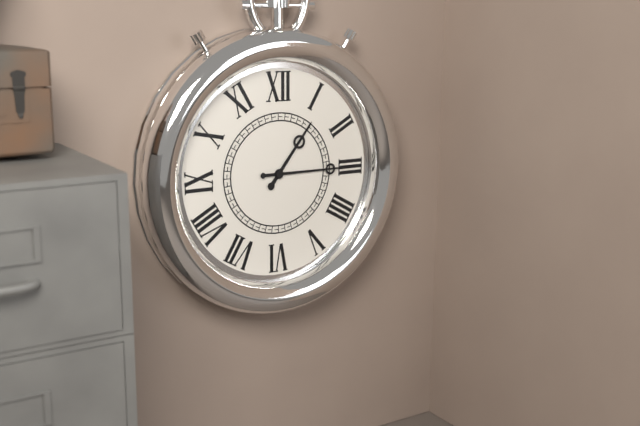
h=1 m=15
